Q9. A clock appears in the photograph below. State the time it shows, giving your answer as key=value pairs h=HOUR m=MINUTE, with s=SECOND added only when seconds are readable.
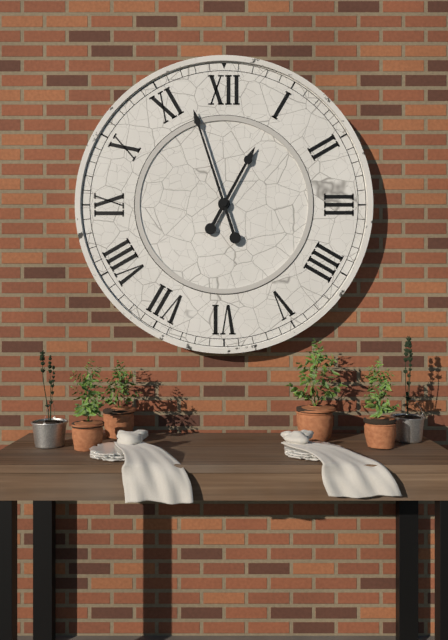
h=12 m=57
